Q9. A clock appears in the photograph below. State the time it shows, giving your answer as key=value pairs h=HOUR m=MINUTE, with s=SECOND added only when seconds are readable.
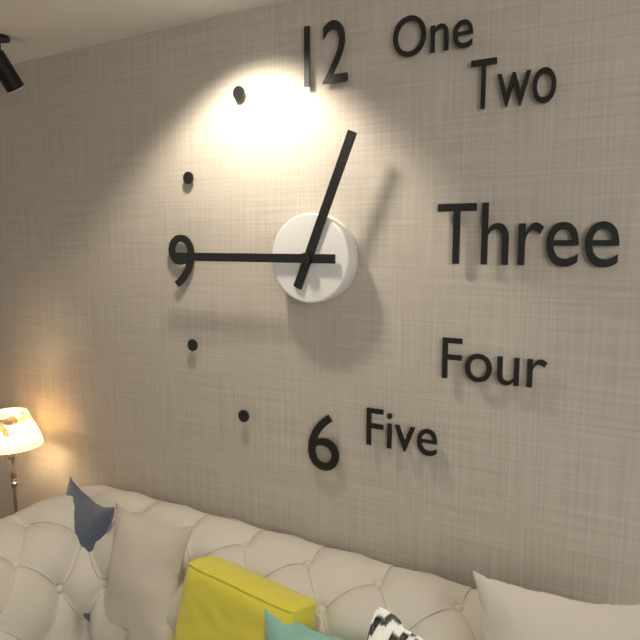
h=12 m=45
